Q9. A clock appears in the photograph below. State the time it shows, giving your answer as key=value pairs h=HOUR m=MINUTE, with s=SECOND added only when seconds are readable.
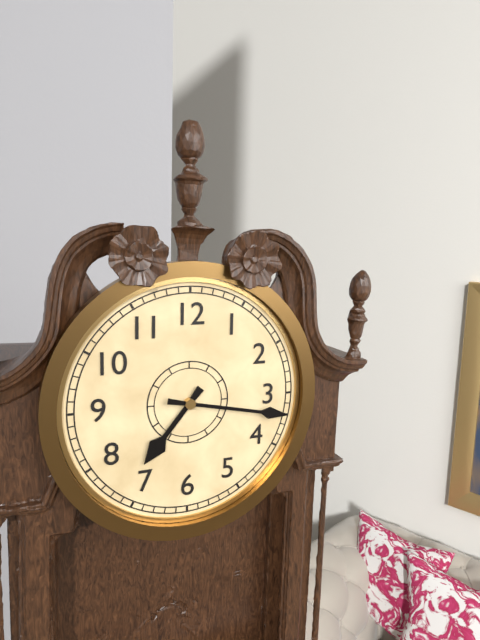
h=7 m=17
